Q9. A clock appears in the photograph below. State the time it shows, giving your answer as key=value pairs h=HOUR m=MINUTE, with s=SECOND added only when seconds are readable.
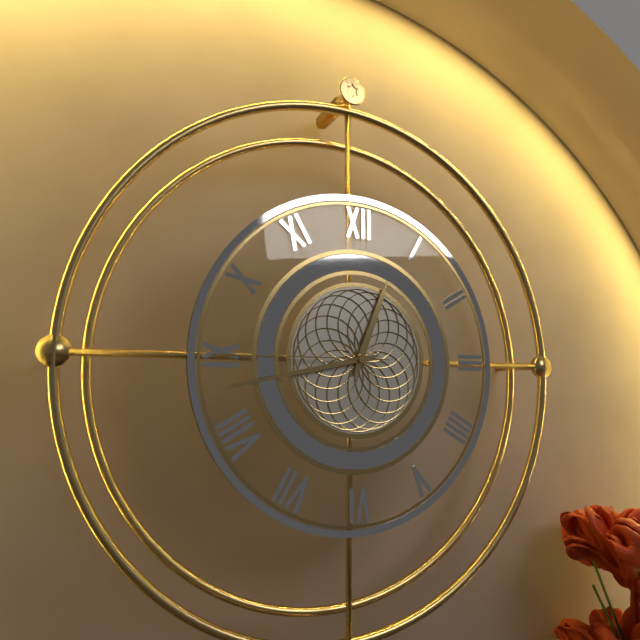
h=12 m=43 s=45
